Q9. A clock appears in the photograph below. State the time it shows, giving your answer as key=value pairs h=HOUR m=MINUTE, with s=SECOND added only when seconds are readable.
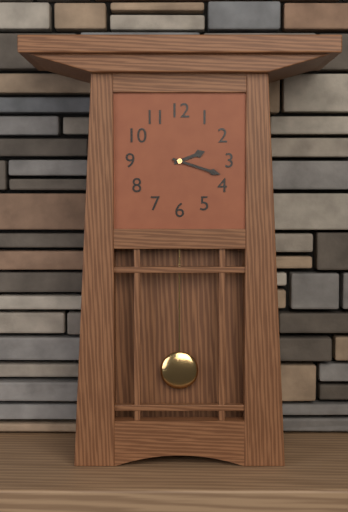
h=2 m=18
